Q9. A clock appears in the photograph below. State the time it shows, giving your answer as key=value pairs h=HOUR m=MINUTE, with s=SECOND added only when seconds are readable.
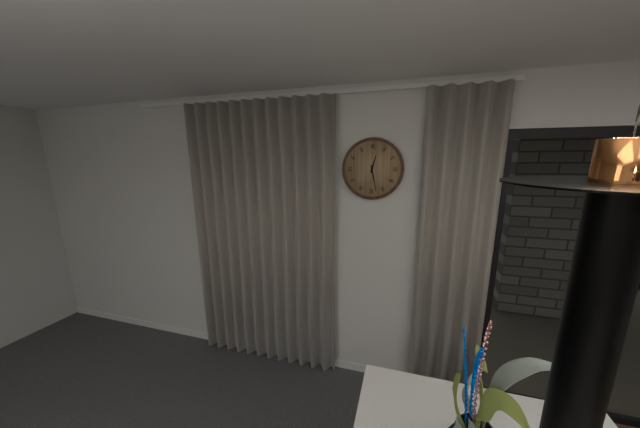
h=12 m=28
